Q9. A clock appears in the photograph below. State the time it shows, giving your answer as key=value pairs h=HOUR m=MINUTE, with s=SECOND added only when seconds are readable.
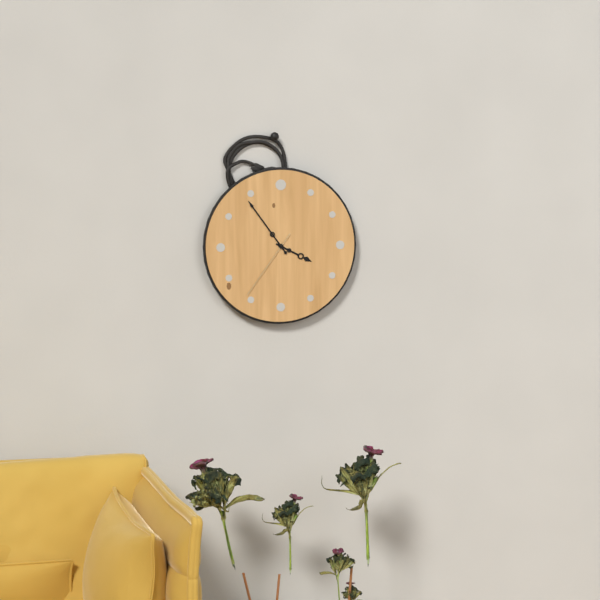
h=3 m=54 s=36
